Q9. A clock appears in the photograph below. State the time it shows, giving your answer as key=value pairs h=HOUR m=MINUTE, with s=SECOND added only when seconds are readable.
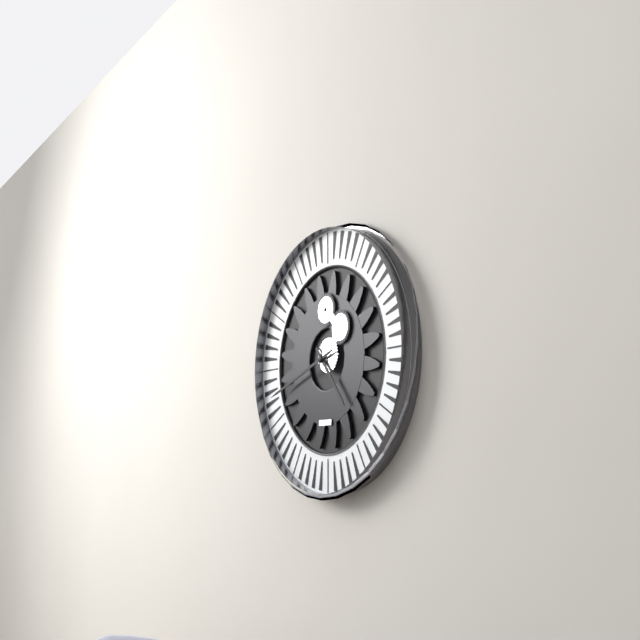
h=4 m=42
